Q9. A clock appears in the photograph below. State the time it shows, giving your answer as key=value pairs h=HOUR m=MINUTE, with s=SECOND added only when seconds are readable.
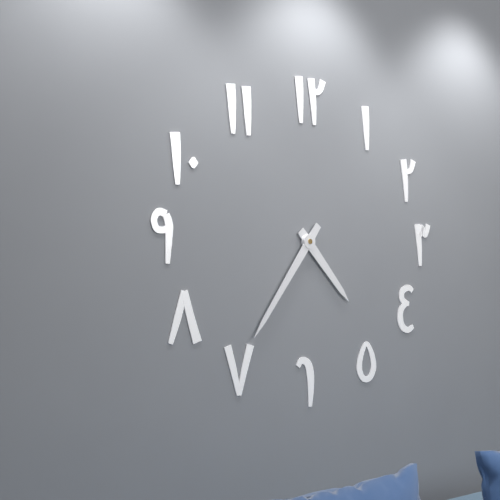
h=4 m=36
